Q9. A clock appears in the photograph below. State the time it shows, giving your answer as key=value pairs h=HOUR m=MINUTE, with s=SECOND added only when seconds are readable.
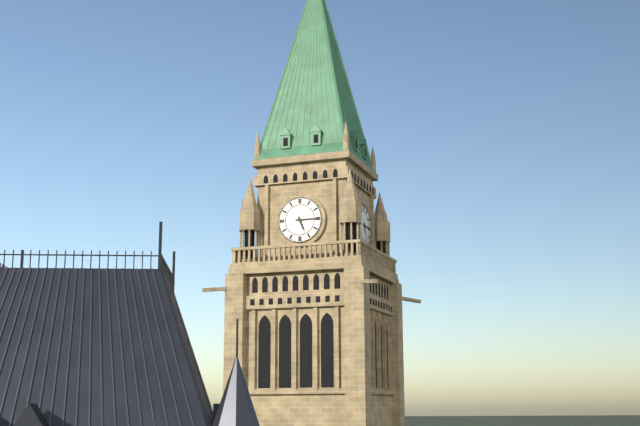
h=5 m=15
